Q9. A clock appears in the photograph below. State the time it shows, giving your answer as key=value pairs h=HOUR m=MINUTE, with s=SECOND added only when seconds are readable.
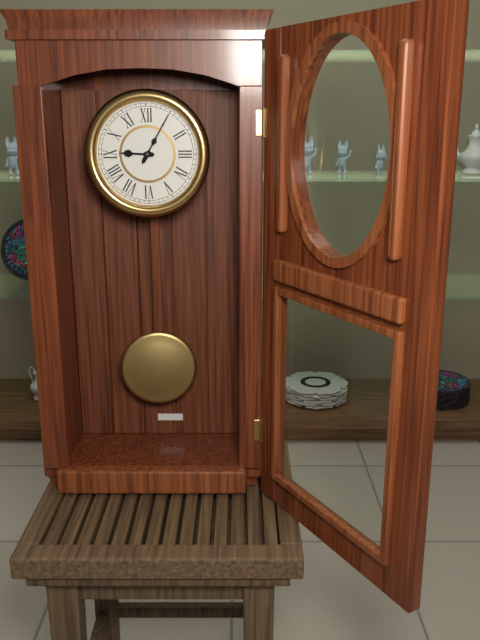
h=9 m=5
